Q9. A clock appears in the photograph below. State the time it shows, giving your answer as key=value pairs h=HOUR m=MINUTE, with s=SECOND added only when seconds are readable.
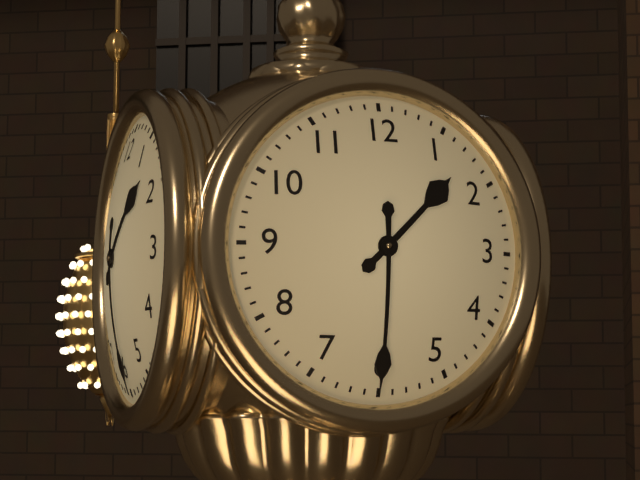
h=1 m=30
